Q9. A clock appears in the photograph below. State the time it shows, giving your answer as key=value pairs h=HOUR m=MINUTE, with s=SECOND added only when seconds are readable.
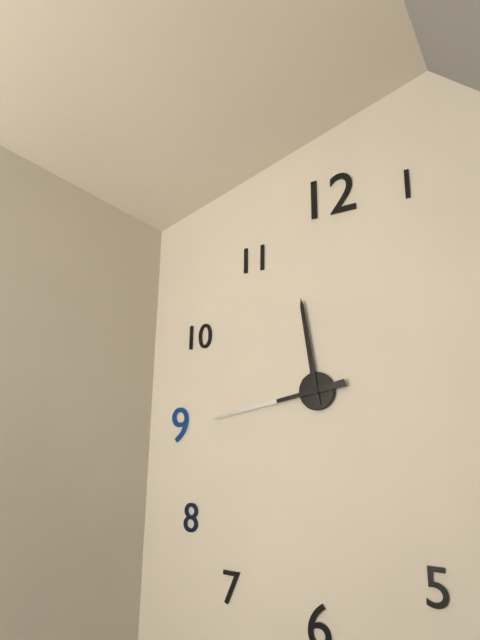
h=11 m=43
